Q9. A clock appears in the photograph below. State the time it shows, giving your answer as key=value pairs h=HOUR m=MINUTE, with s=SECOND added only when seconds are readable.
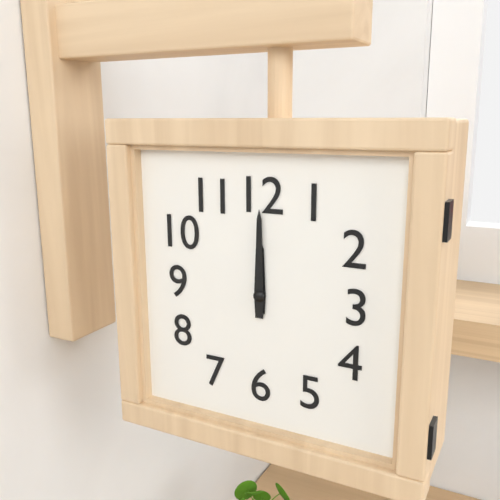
h=12 m=0
